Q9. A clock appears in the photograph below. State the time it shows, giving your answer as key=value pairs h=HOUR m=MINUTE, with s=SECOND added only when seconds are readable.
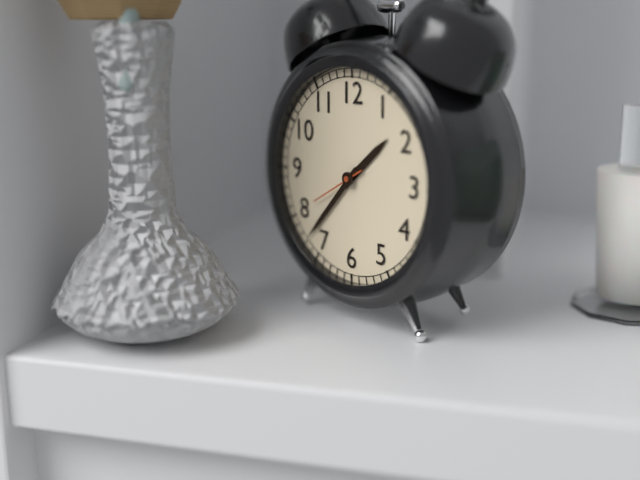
h=1 m=37 s=40
